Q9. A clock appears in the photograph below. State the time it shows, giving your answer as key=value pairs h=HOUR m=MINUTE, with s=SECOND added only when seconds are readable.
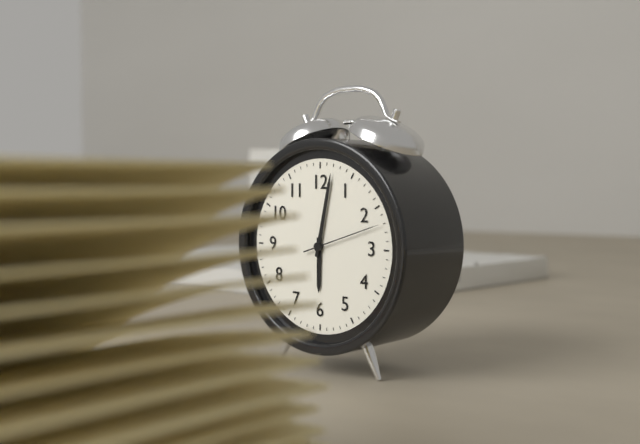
h=6 m=2 s=12
